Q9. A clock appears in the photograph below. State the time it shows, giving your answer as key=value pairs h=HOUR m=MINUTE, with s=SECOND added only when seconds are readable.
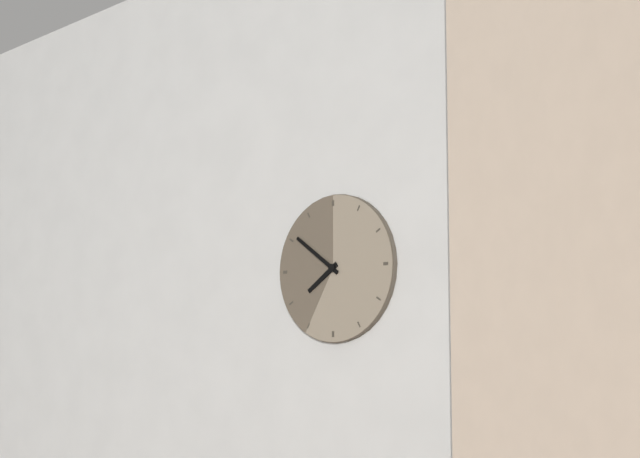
h=7 m=51
